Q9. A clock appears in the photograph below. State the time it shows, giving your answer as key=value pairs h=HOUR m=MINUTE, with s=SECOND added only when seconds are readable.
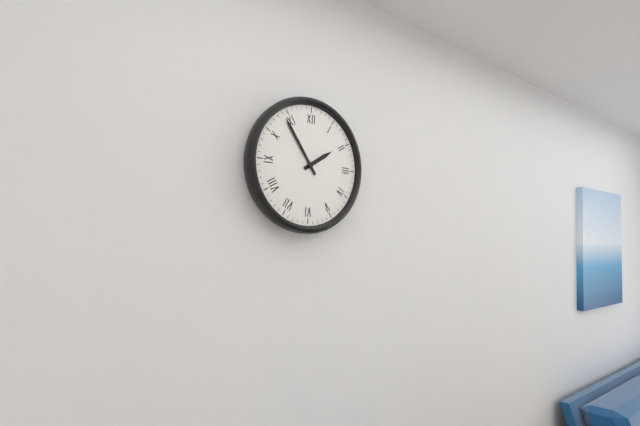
h=1 m=54
